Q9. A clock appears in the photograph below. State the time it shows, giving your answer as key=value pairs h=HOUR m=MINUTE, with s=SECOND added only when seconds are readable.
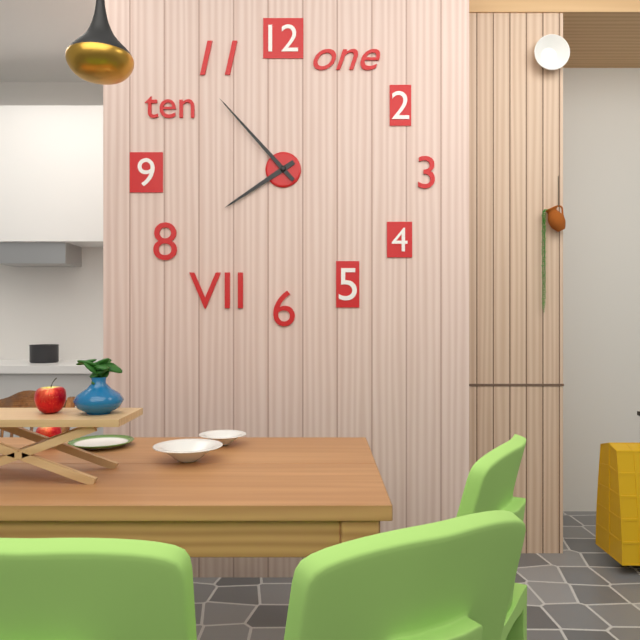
h=7 m=53
